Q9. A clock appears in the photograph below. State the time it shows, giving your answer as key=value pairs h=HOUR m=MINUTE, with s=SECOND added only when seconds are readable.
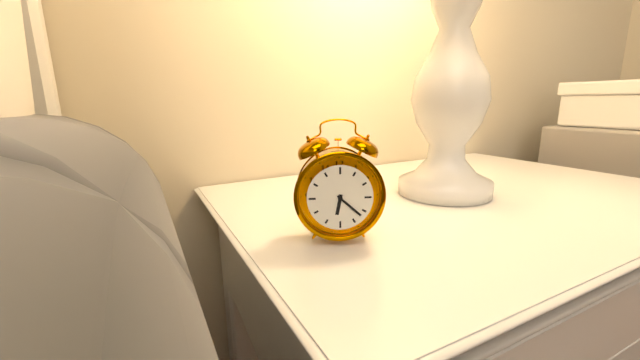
h=6 m=22
